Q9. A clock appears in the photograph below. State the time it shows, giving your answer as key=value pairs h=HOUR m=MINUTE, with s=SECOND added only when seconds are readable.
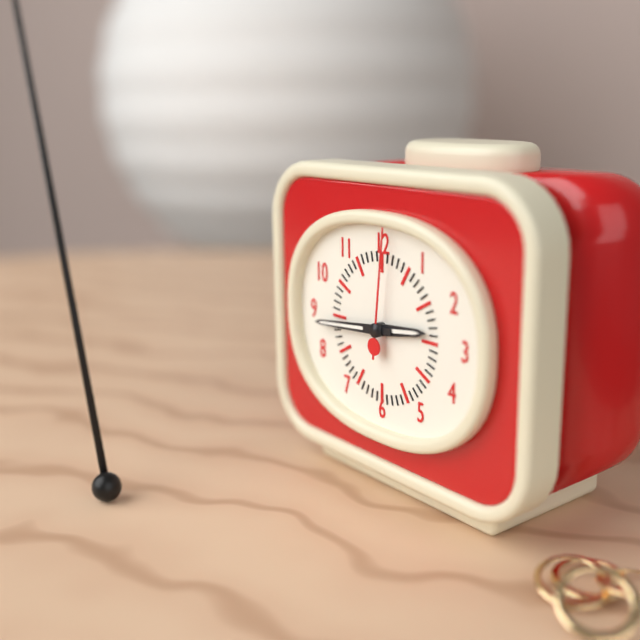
h=2 m=44 s=1
